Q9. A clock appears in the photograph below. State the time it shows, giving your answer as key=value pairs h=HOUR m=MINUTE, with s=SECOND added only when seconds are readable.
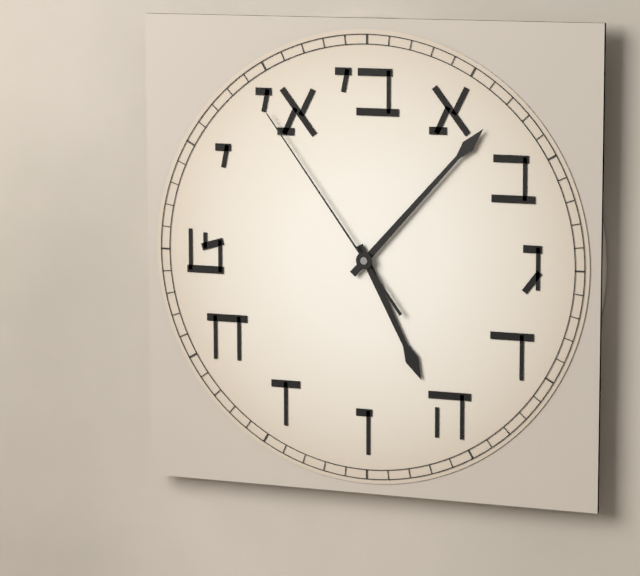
h=5 m=7 s=54
